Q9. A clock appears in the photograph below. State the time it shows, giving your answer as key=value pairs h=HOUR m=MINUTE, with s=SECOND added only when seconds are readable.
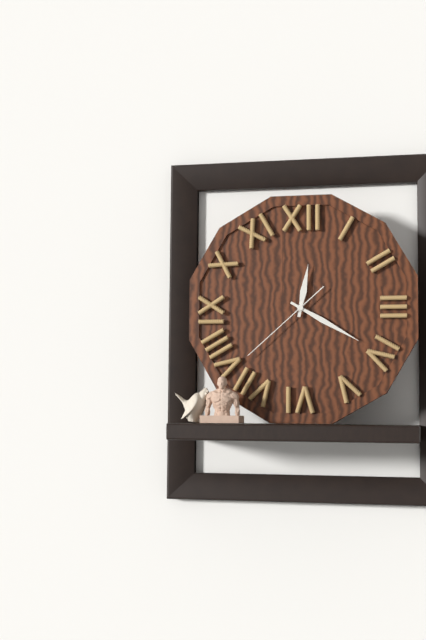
h=12 m=20 s=38
